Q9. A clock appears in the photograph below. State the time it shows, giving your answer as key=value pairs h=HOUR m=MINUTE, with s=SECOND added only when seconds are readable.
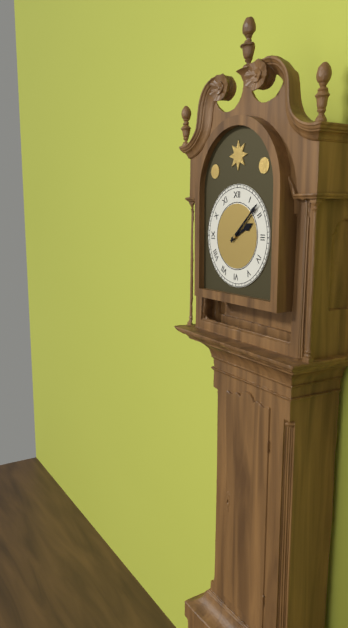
h=2 m=8
